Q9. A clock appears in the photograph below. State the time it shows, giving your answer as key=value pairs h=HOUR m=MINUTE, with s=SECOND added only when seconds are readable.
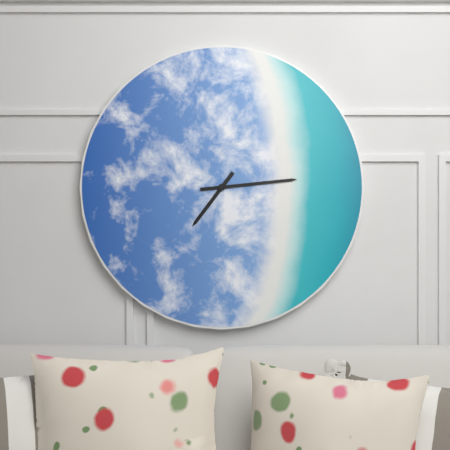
h=7 m=14
